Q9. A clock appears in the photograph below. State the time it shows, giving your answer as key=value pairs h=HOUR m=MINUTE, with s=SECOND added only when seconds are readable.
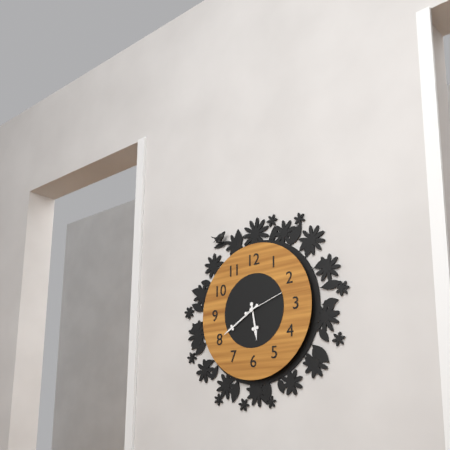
h=5 m=40
